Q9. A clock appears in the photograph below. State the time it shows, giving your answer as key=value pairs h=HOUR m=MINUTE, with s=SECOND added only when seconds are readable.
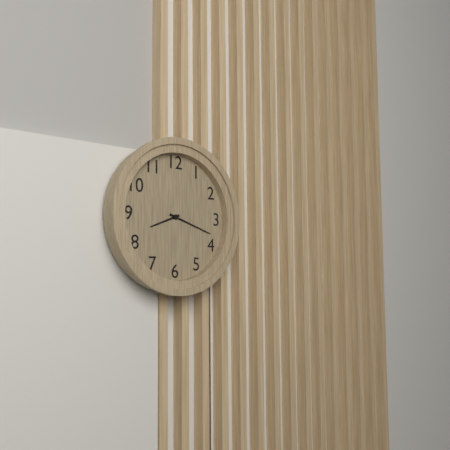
h=8 m=18
